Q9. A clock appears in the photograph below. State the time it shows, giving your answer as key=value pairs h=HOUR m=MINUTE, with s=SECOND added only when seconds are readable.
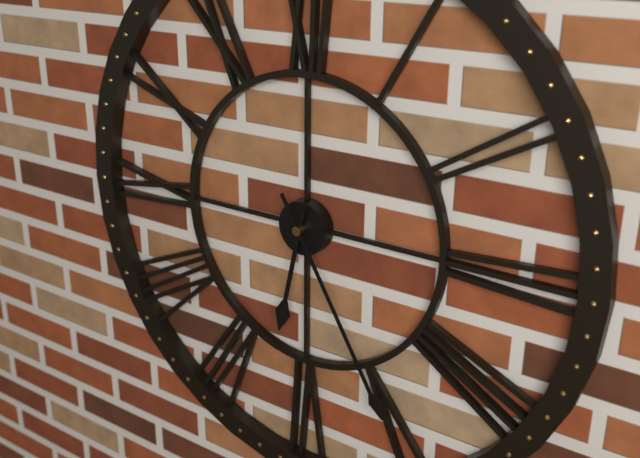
h=6 m=25
